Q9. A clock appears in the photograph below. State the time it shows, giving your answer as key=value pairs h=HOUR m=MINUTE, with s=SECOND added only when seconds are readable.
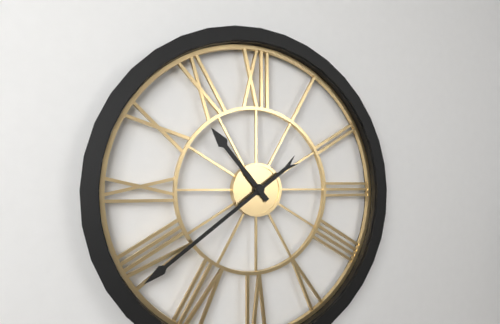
h=10 m=39
